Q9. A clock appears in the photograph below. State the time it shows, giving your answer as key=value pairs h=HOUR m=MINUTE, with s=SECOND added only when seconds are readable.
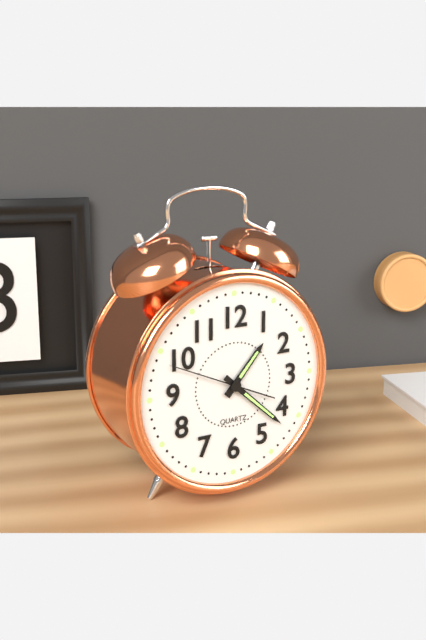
h=1 m=22 s=49
